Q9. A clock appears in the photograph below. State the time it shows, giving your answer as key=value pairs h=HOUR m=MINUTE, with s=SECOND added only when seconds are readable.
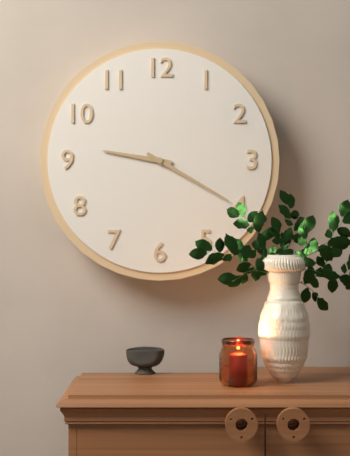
h=9 m=20
